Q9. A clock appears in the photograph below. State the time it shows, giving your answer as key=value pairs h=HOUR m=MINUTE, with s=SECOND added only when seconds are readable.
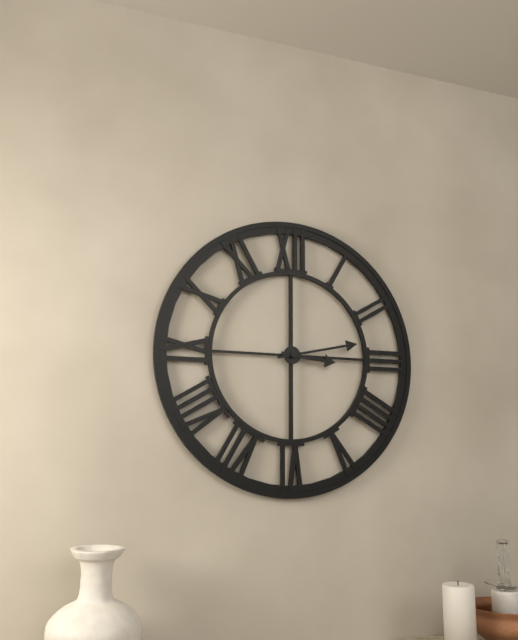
h=3 m=13
